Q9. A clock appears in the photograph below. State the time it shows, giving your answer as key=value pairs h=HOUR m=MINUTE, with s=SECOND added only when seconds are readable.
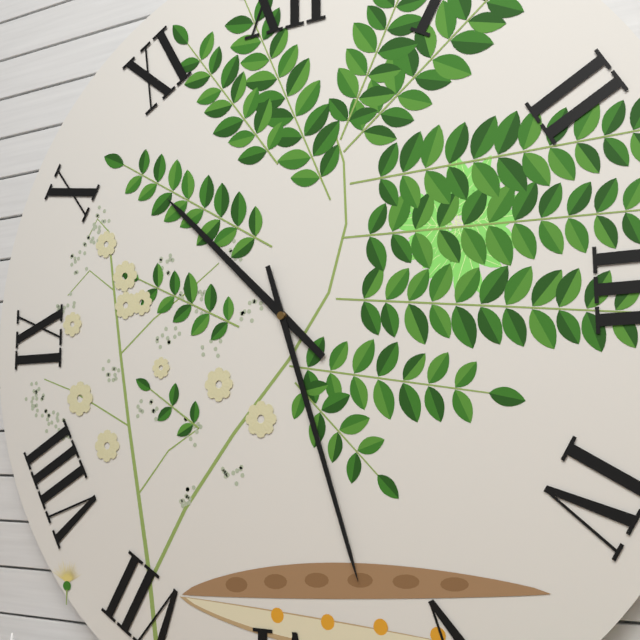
h=10 m=27
